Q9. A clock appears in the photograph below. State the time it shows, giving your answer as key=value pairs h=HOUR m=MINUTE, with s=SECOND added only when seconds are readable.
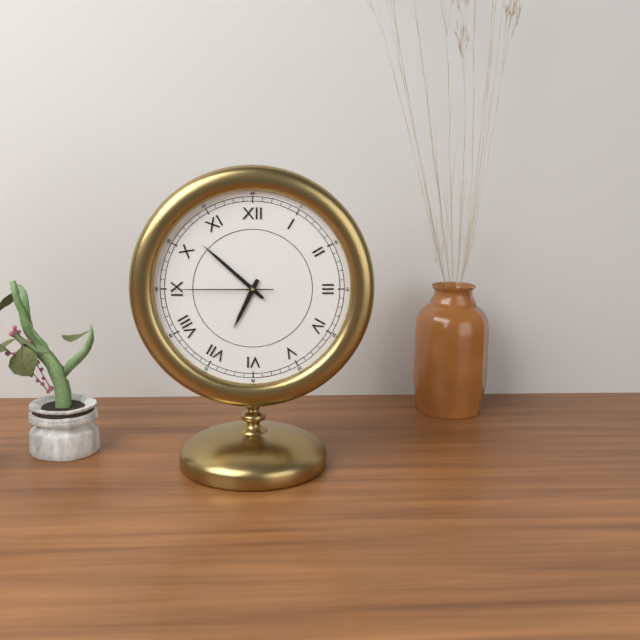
h=6 m=52 s=45
